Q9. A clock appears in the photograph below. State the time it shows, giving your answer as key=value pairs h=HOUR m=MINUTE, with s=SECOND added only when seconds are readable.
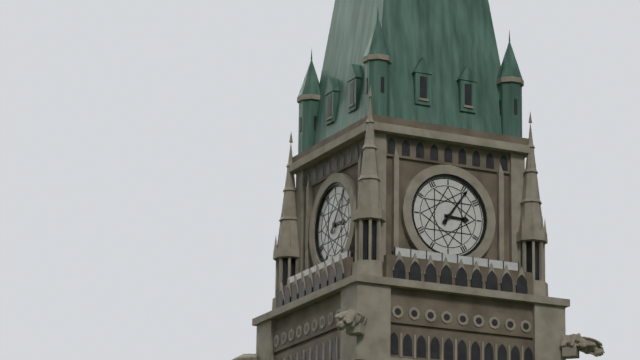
h=3 m=6
